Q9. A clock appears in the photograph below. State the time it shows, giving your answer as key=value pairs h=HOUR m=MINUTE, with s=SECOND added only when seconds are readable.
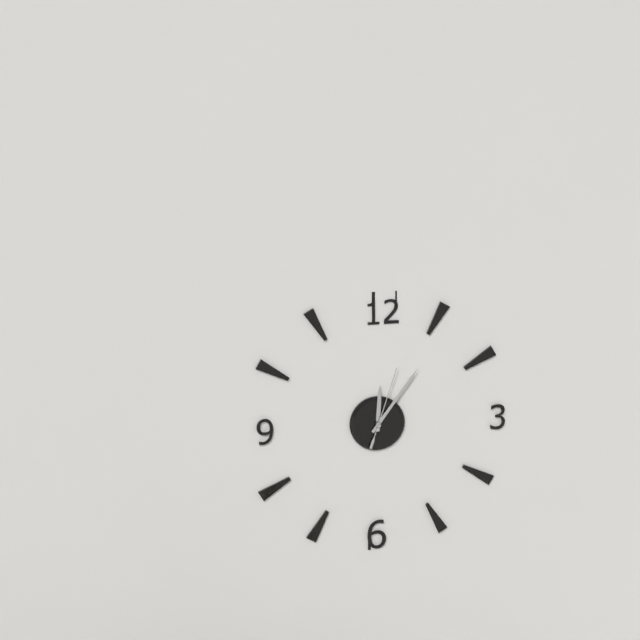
h=12 m=6 s=3
